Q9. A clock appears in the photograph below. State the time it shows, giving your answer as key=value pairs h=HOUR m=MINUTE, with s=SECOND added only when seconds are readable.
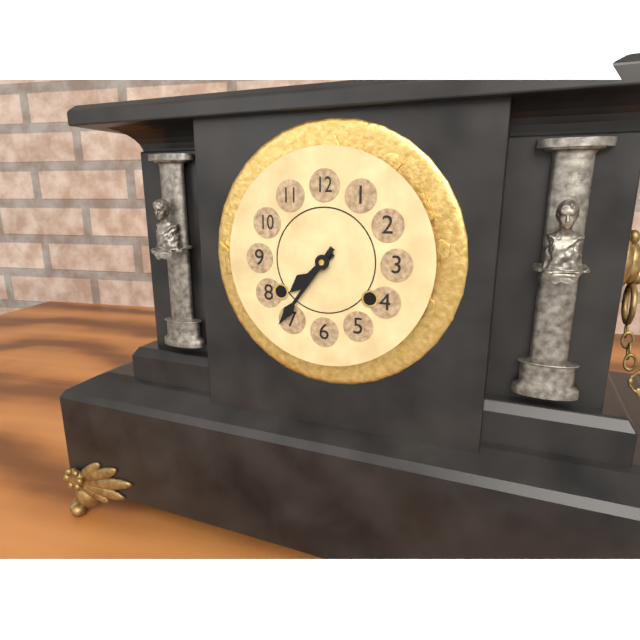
h=7 m=36
